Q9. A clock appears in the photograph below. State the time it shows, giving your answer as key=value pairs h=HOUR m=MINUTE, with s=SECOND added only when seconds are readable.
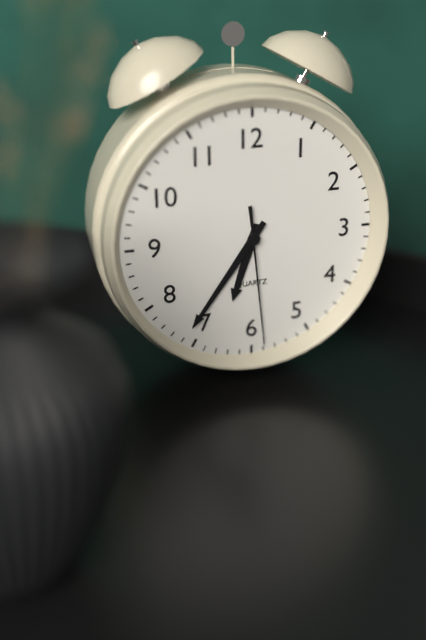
h=6 m=36 s=29
